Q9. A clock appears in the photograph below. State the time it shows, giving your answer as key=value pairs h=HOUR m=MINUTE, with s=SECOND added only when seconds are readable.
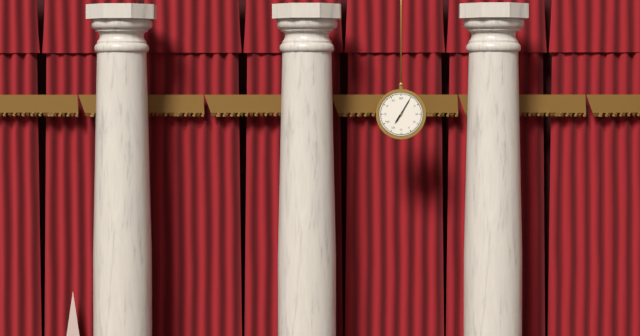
h=7 m=5
